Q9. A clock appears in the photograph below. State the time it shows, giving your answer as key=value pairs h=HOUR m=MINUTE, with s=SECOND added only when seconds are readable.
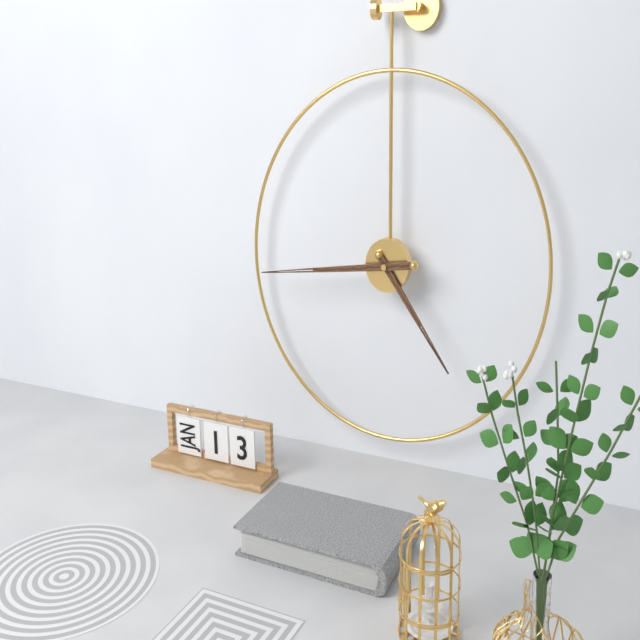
h=4 m=44
